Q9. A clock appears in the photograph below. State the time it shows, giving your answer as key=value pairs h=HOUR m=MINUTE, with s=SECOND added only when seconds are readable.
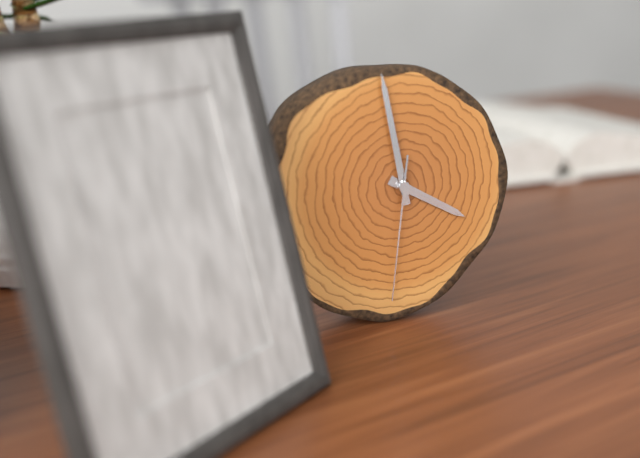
h=3 m=58 s=31
